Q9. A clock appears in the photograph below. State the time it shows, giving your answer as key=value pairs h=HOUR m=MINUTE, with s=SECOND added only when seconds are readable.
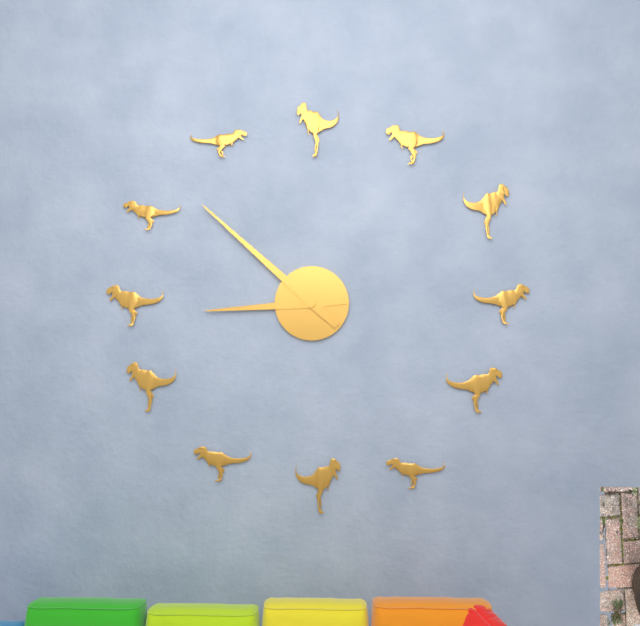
h=8 m=52
